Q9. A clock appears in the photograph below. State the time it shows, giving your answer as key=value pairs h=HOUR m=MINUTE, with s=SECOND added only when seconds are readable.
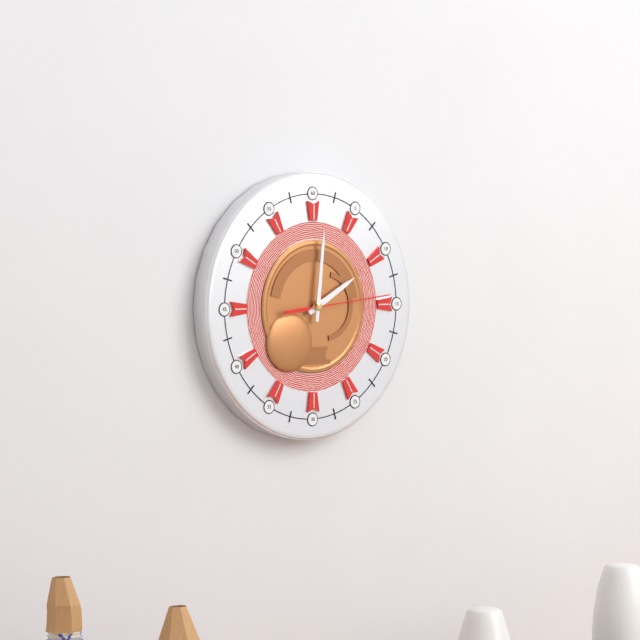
h=2 m=1 s=14
